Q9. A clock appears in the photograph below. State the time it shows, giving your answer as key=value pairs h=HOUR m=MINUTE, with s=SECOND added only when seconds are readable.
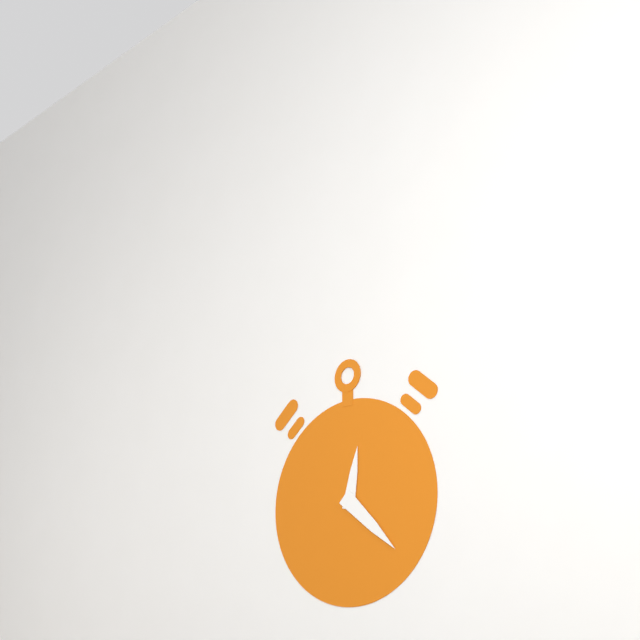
h=12 m=22
